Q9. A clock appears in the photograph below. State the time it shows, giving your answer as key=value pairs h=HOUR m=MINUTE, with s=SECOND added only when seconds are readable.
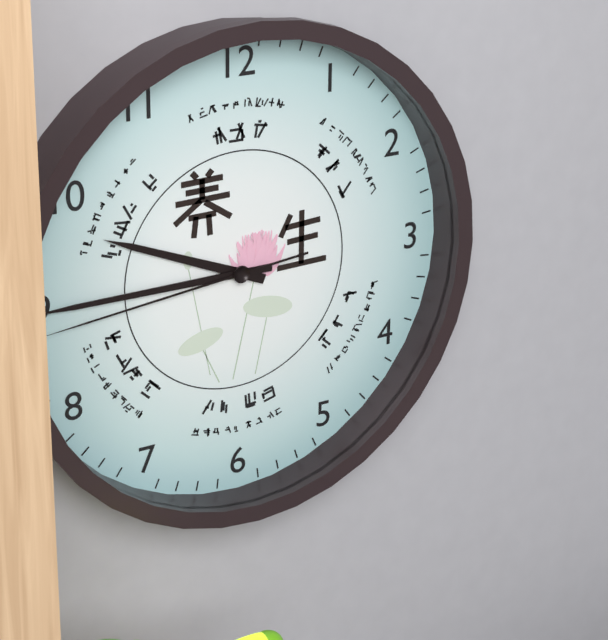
h=9 m=45 s=44
